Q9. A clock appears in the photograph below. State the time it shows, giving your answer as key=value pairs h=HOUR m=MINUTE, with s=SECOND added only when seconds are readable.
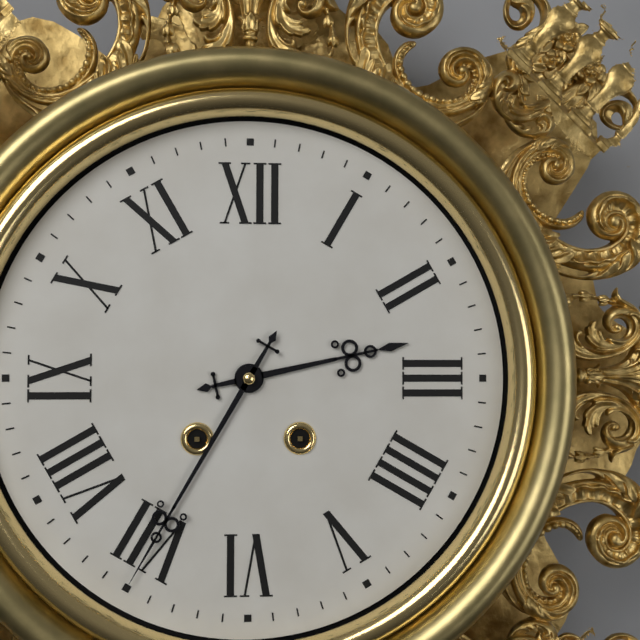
h=2 m=35
